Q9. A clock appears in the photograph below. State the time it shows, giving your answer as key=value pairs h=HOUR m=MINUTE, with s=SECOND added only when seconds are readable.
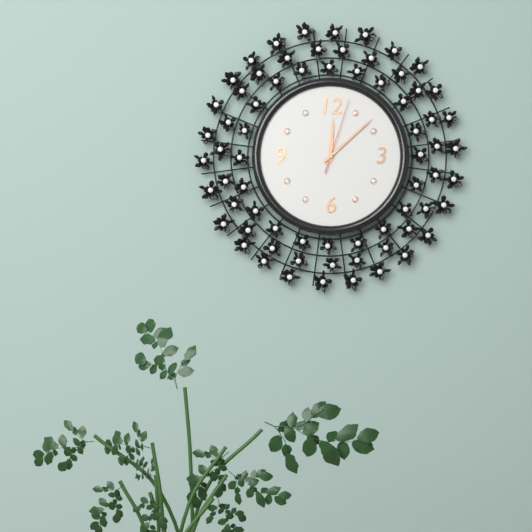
h=12 m=8 s=3
